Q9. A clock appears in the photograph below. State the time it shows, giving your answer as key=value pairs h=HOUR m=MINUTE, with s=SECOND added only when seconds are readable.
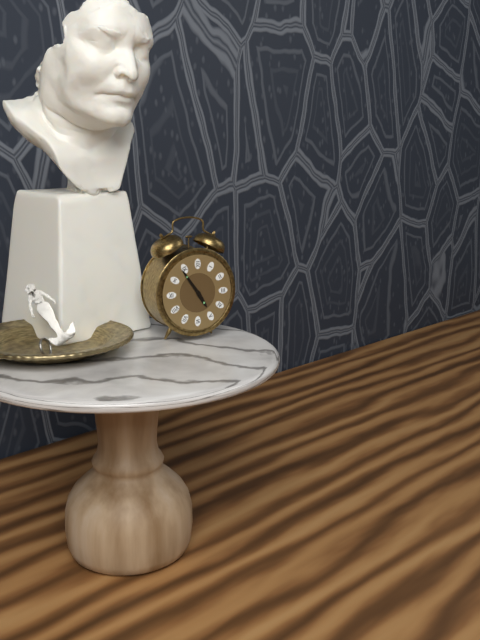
h=4 m=54
